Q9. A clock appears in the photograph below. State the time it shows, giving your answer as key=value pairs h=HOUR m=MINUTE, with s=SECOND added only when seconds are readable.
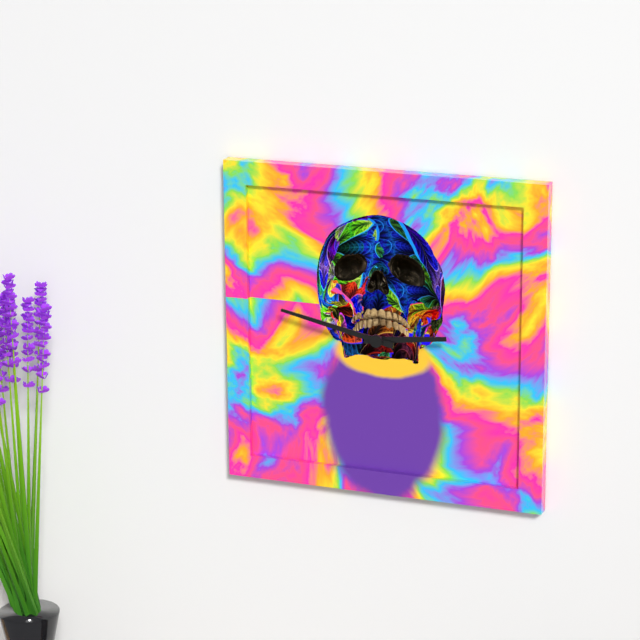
h=2 m=47
